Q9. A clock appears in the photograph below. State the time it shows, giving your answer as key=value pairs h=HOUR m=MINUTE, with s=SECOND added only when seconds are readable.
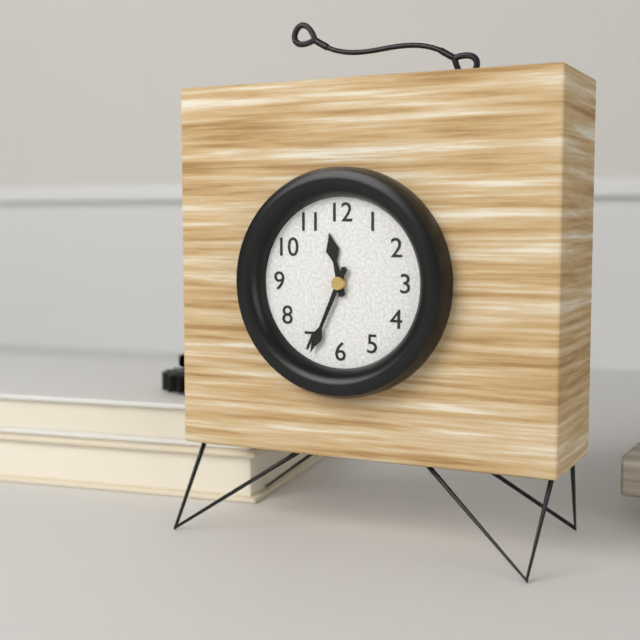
h=11 m=34
